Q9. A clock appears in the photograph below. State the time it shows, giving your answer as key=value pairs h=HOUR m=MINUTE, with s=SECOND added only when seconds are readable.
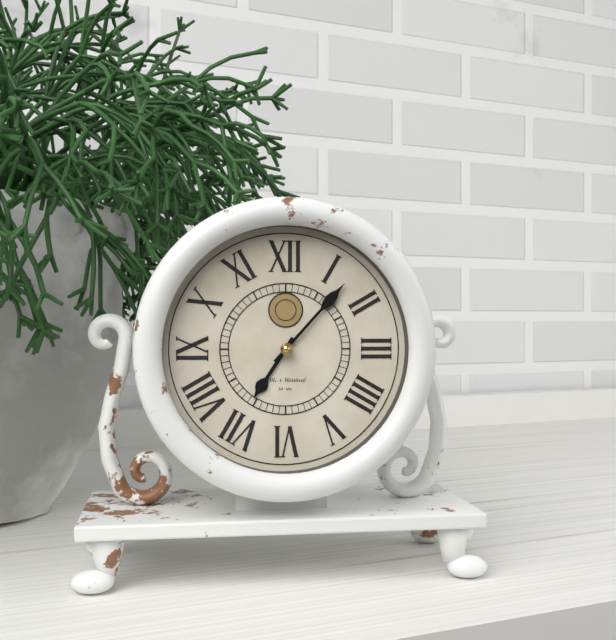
h=7 m=7
